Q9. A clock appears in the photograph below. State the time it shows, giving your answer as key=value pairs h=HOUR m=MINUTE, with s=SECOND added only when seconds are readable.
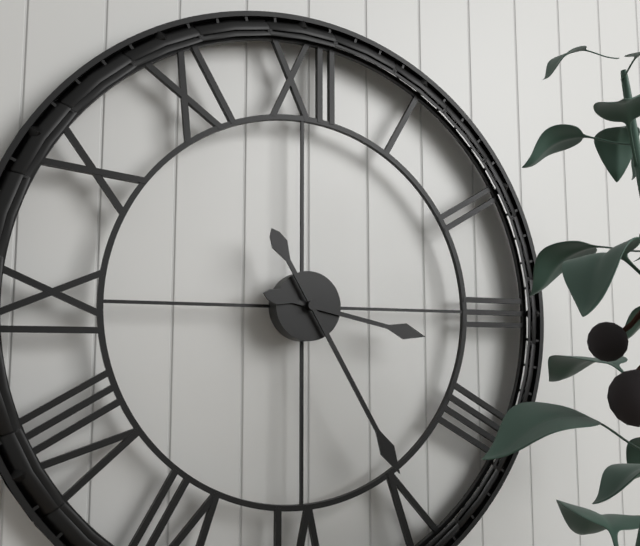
h=3 m=25
